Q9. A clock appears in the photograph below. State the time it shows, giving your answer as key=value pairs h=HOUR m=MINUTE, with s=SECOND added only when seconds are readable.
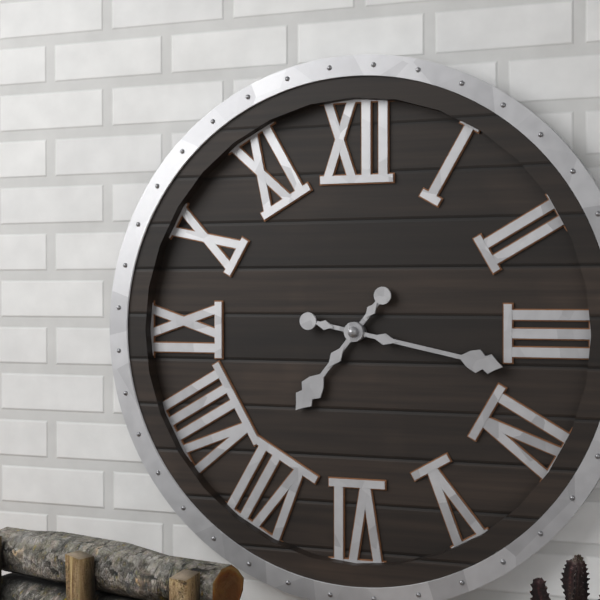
h=7 m=17
